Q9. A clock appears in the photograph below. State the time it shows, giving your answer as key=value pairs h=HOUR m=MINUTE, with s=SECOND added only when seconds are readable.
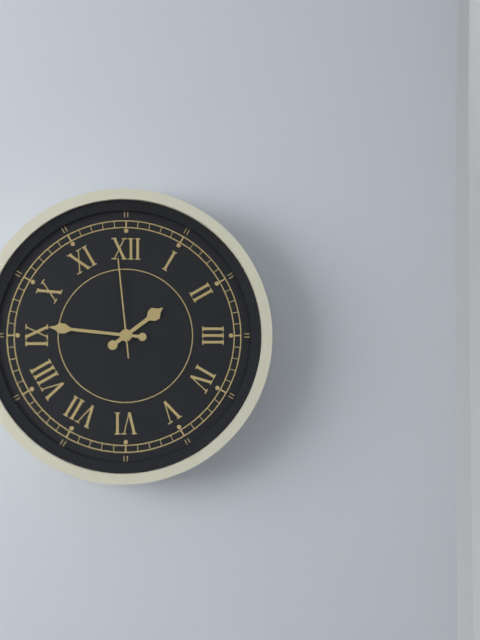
h=1 m=46 s=59
